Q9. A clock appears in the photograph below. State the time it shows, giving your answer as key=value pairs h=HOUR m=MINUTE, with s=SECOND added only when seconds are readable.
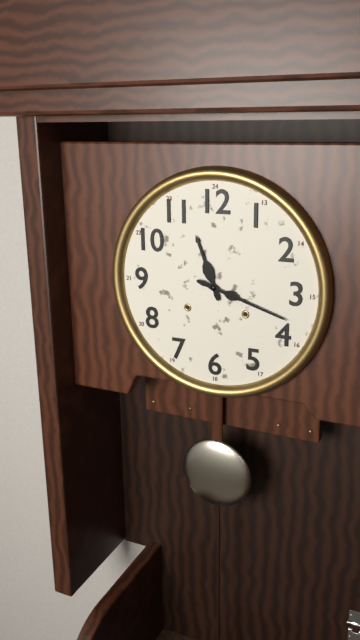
h=11 m=18
